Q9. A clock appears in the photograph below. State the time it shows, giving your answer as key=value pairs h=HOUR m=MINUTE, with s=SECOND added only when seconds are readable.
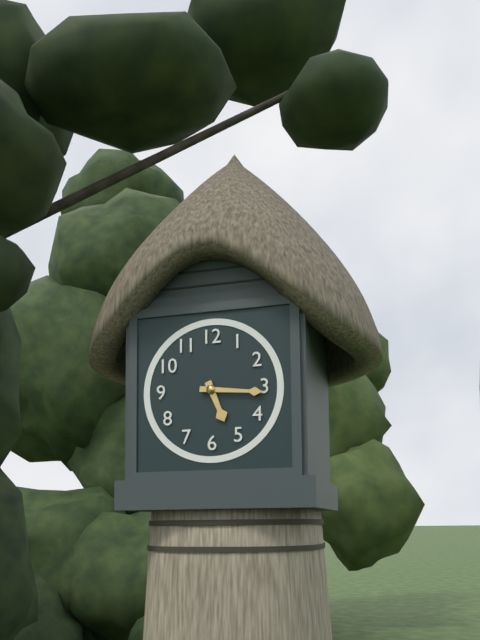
h=5 m=16
